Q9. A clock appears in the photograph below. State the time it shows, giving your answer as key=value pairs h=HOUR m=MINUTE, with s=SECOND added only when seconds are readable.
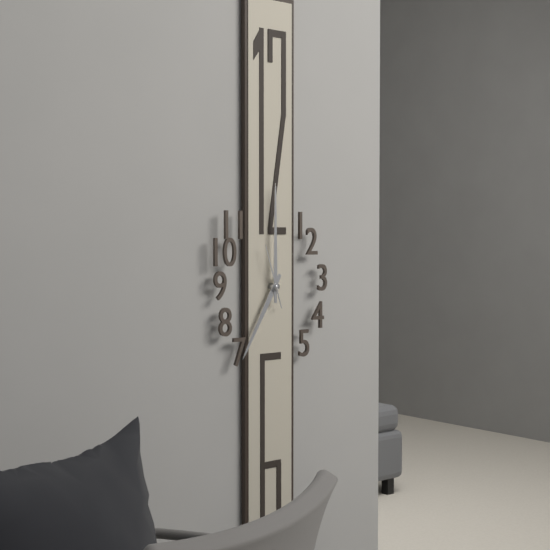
h=7 m=0 s=57
